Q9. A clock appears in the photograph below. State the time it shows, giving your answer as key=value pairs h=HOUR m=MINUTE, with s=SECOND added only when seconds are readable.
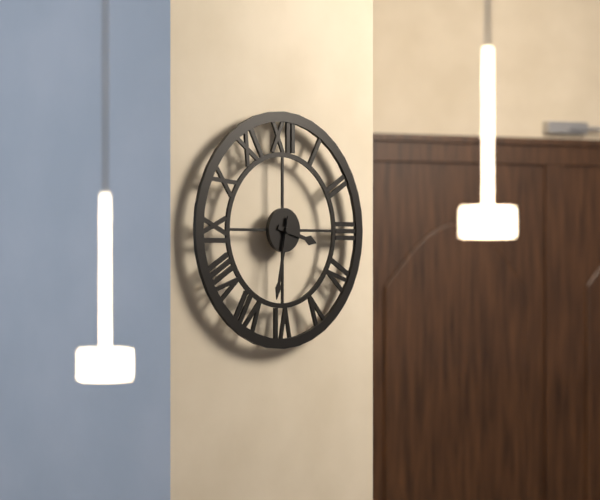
h=3 m=32
